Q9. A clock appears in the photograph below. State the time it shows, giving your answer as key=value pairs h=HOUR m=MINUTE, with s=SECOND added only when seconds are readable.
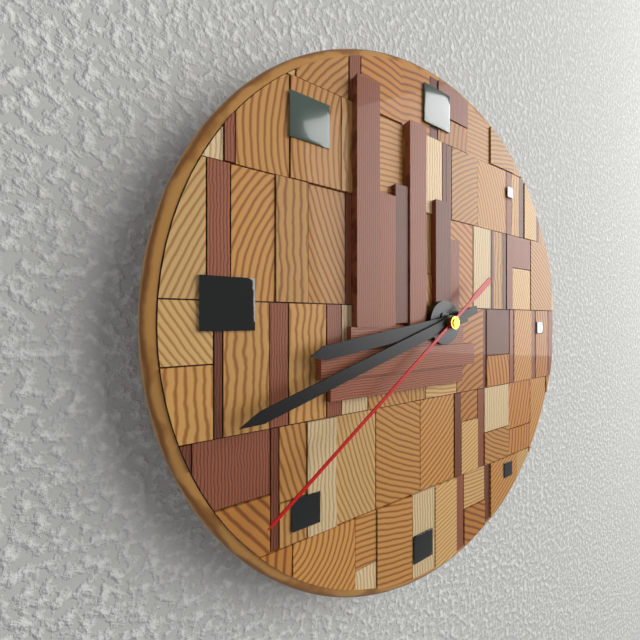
h=8 m=42 s=39
